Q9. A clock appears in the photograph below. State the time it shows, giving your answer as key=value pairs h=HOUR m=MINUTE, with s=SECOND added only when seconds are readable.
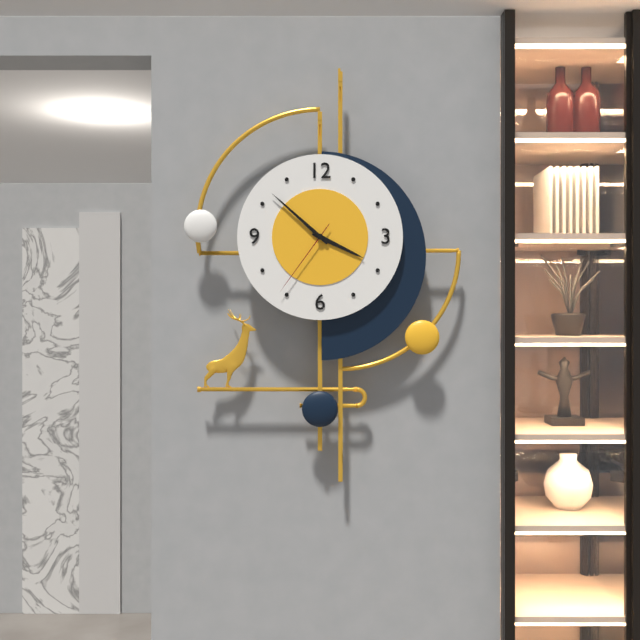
h=3 m=52 s=36
